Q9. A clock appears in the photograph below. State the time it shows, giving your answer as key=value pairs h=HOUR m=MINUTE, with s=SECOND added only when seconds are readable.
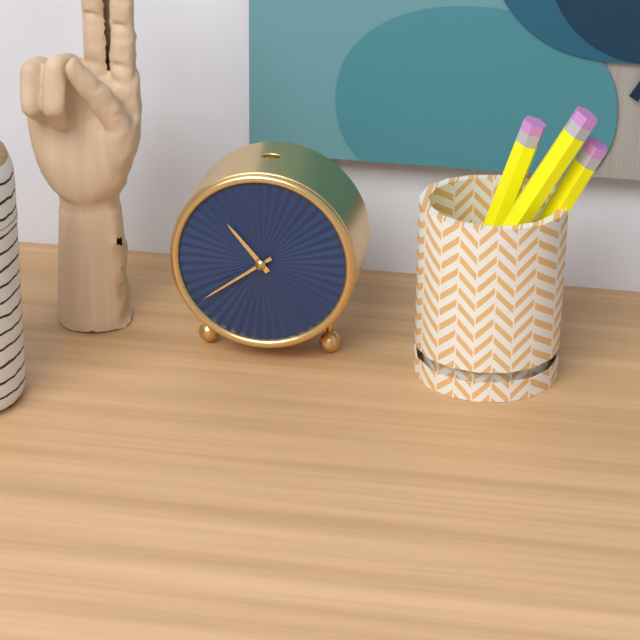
h=10 m=39
